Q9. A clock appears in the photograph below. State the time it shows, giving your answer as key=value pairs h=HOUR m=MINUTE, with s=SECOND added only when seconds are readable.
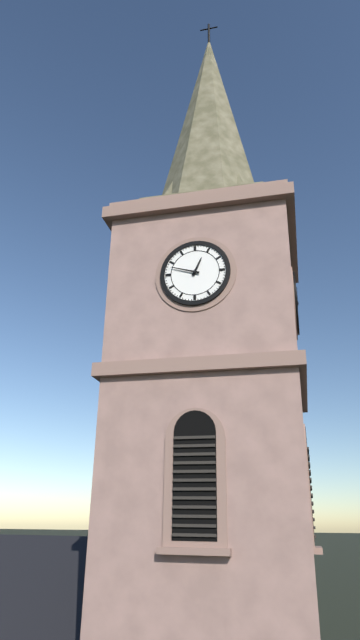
h=12 m=48
